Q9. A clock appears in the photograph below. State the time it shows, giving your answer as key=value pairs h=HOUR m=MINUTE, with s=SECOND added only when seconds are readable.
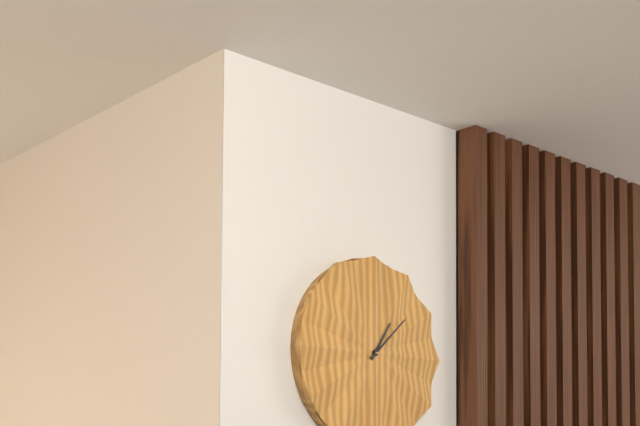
h=1 m=8
